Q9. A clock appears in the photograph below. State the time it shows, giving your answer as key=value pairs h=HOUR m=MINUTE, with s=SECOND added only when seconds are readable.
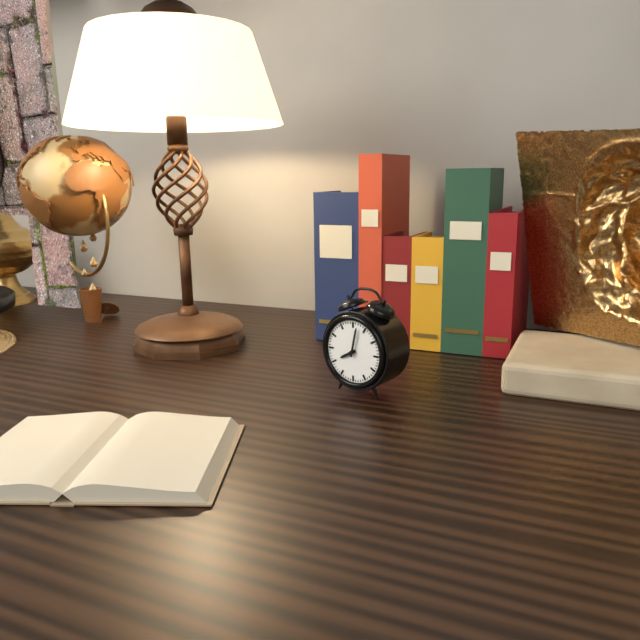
h=8 m=2
